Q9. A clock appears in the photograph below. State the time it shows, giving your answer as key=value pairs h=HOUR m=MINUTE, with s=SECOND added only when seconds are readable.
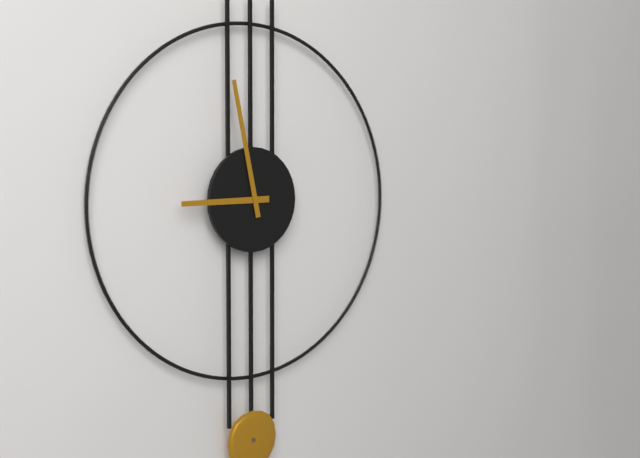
h=8 m=58
